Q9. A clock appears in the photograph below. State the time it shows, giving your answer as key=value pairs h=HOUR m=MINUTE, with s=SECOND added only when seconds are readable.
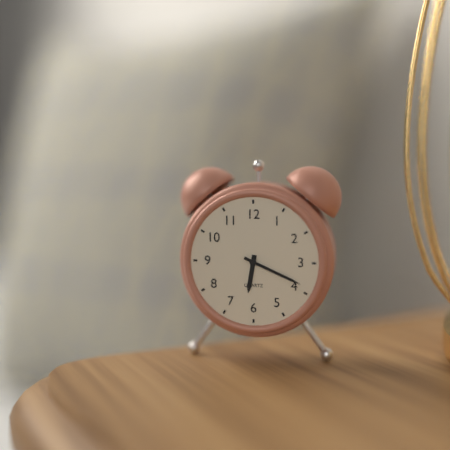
h=6 m=19
